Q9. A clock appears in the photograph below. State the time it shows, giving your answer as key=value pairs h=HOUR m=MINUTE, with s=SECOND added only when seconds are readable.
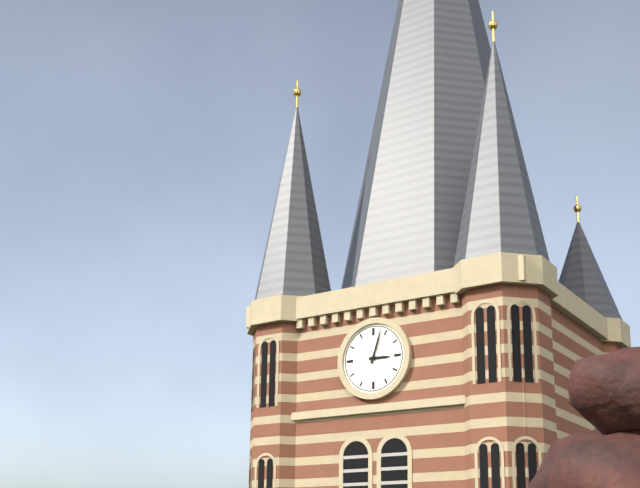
h=3 m=3
